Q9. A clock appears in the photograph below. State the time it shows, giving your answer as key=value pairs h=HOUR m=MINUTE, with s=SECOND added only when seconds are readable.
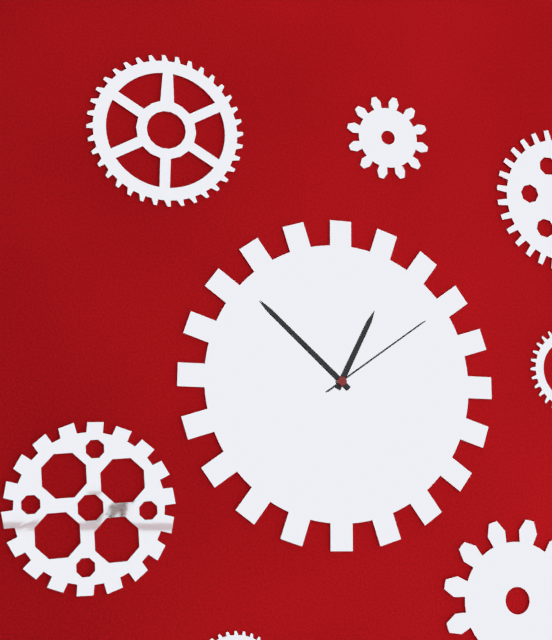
h=12 m=52 s=9
